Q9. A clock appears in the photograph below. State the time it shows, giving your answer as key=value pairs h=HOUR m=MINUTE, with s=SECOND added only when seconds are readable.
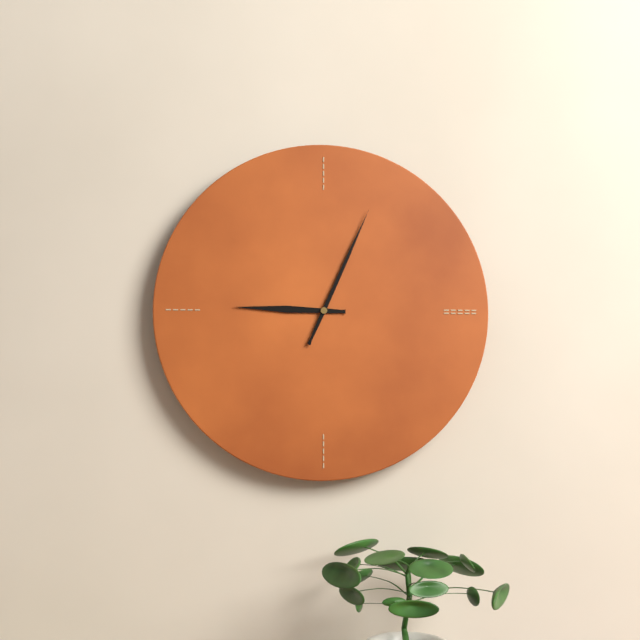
h=9 m=4
